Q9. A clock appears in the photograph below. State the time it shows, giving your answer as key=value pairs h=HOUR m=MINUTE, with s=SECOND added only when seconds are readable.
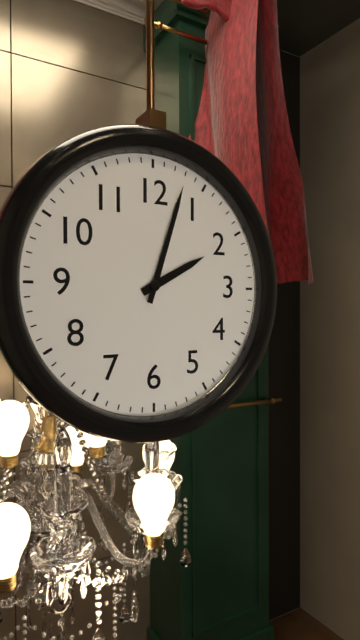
h=2 m=3
